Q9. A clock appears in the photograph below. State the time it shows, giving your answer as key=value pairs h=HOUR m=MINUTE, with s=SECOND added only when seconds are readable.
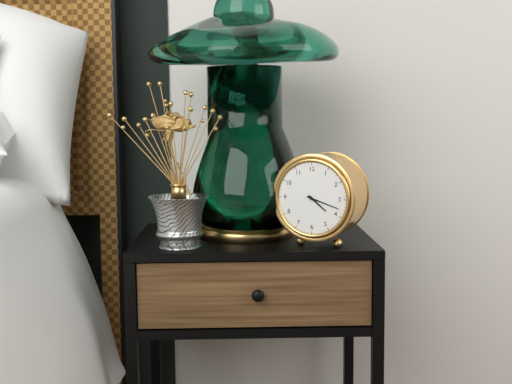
h=4 m=18
